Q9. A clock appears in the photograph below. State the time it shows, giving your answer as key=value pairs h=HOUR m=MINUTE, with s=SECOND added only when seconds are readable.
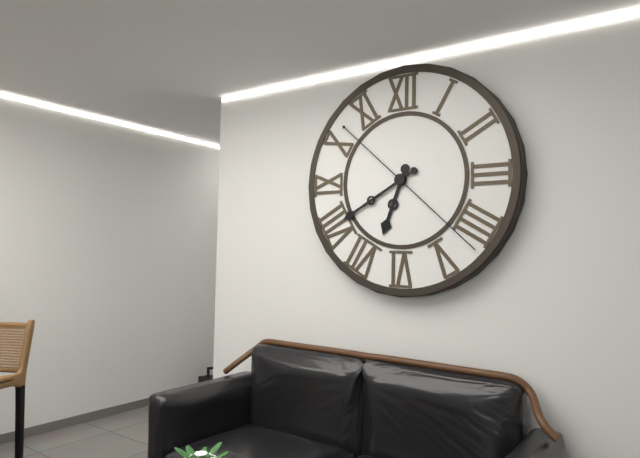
h=6 m=40 s=22
